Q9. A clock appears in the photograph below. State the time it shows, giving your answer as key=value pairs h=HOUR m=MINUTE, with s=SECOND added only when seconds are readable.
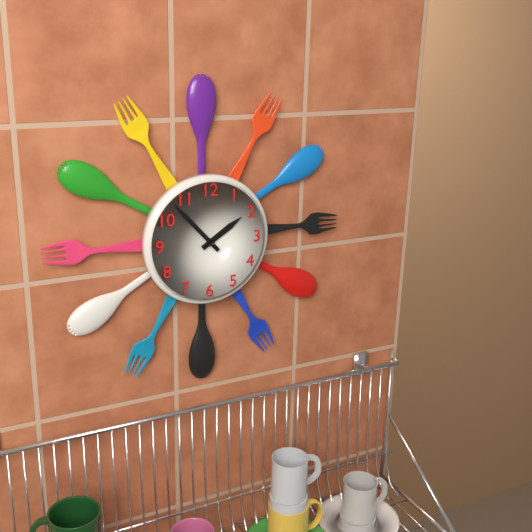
h=1 m=53
